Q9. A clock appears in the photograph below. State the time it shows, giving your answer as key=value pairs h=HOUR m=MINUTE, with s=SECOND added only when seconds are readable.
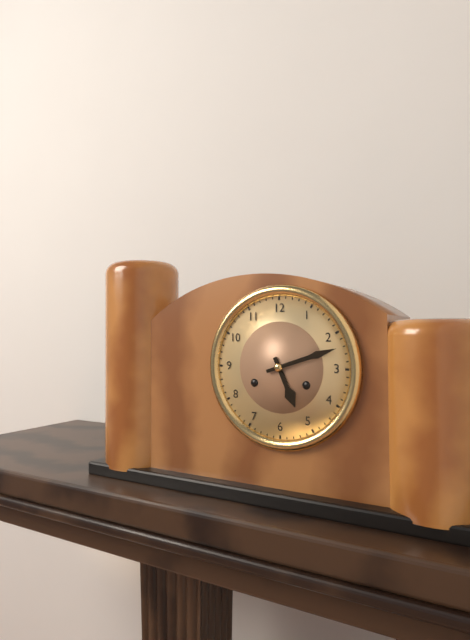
h=5 m=12
